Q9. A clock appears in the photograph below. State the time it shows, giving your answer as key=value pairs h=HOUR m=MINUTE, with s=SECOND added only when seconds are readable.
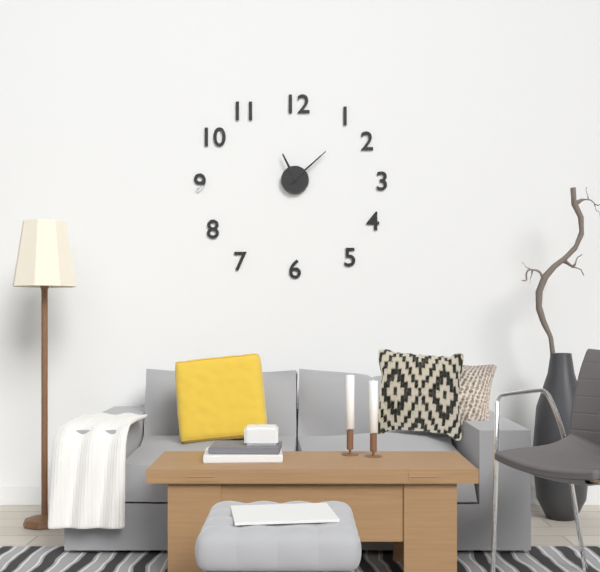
h=11 m=8
